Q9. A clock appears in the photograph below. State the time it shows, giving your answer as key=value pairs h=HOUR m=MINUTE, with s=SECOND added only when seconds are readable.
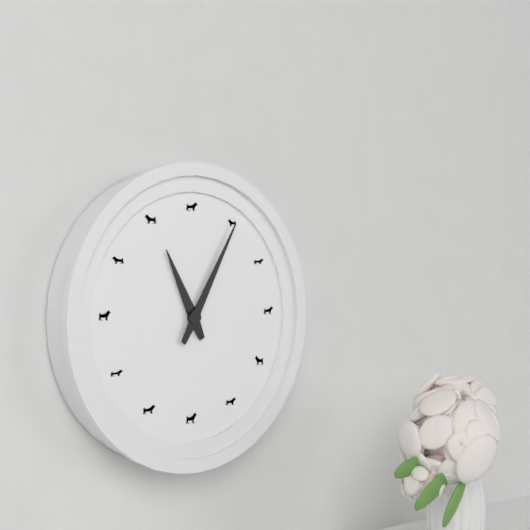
h=11 m=5
